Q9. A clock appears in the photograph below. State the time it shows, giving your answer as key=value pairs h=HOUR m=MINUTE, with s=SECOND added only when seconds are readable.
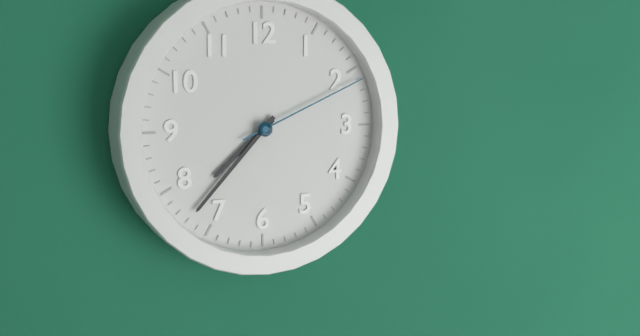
h=7 m=37 s=11
